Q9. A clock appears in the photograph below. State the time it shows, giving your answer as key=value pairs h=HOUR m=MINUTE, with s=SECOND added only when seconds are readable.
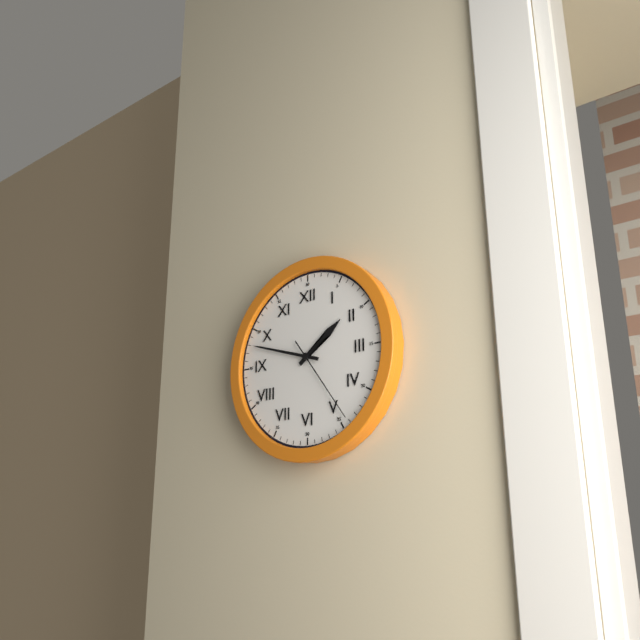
h=1 m=48 s=24
